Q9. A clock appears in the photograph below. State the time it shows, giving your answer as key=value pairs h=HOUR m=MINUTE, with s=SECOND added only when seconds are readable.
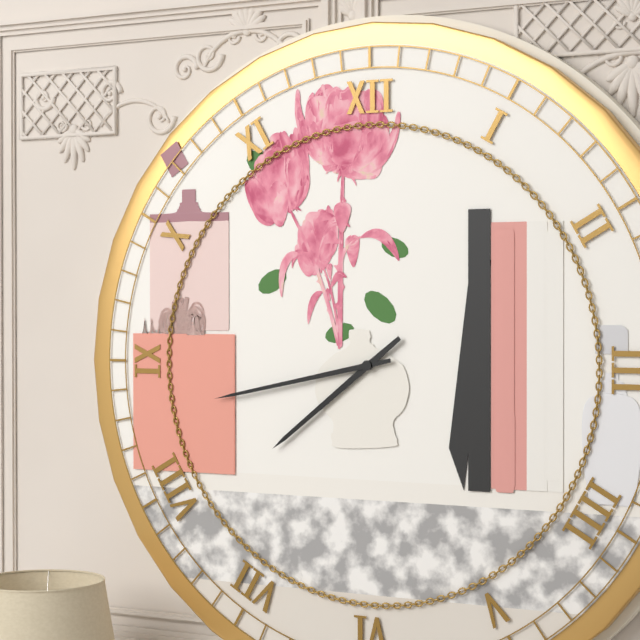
h=7 m=43
